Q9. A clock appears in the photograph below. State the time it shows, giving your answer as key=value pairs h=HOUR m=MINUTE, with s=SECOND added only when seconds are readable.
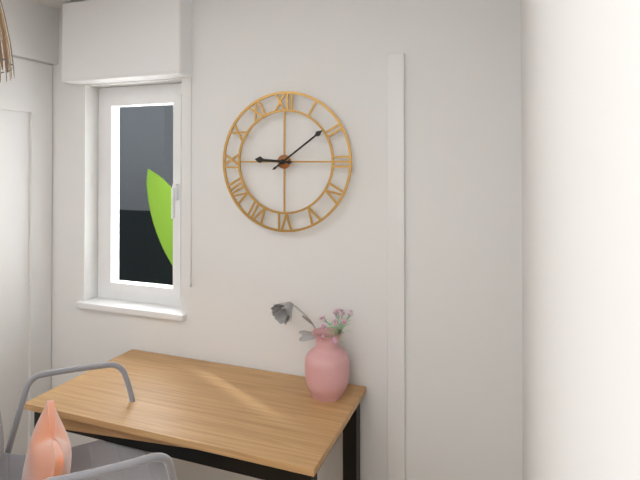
h=9 m=9
